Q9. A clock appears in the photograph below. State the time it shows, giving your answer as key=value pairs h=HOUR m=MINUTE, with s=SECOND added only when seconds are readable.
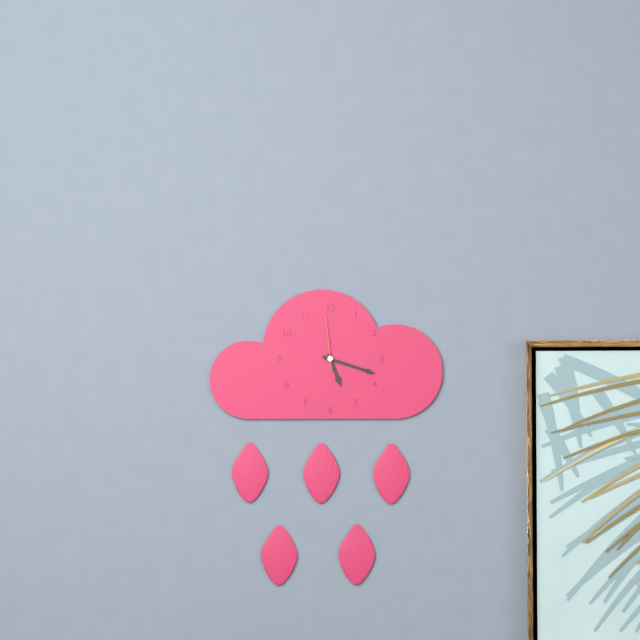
h=5 m=18 s=59
